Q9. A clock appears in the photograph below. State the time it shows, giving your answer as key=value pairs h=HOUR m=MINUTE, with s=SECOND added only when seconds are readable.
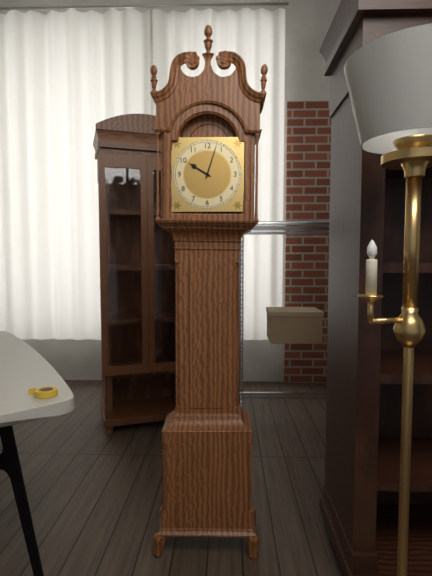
h=10 m=3
